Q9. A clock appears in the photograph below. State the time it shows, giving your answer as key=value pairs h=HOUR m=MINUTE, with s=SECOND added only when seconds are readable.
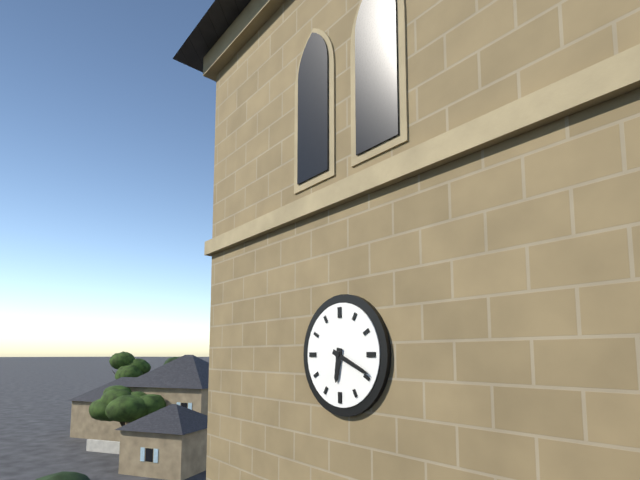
h=6 m=19
